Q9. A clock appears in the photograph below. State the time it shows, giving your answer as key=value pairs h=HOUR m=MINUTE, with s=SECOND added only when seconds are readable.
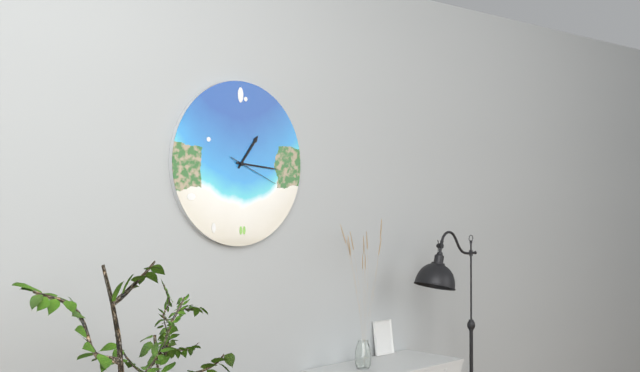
h=1 m=16
